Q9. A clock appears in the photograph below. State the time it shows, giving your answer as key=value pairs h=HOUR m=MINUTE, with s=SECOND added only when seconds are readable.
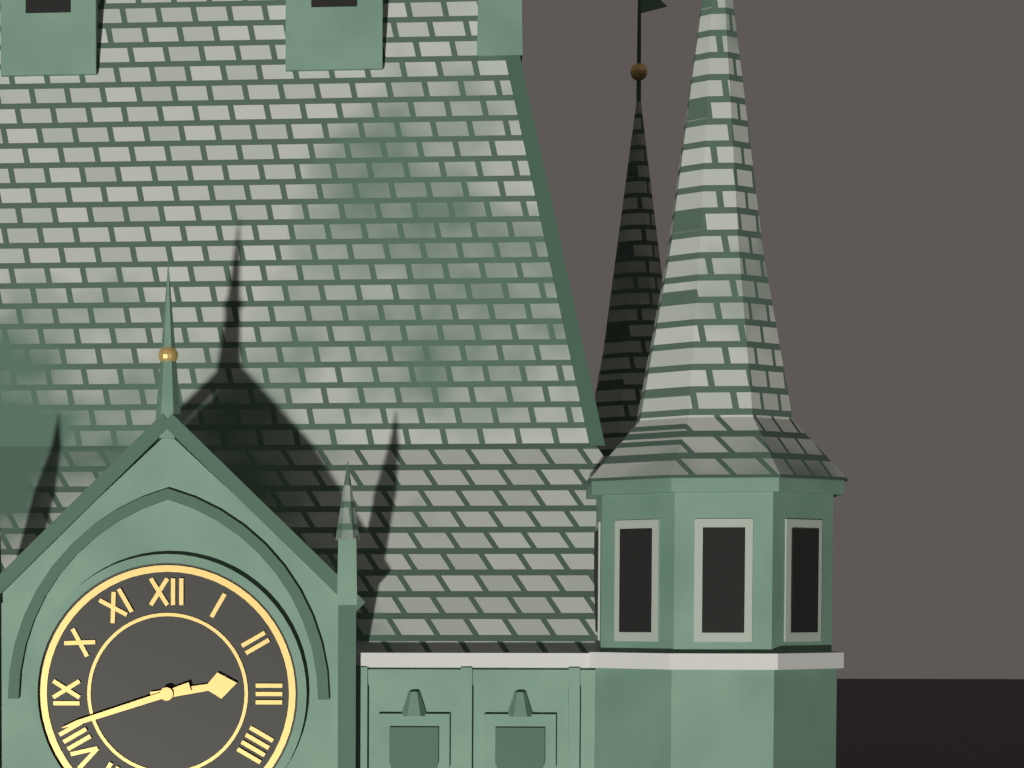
h=2 m=42
